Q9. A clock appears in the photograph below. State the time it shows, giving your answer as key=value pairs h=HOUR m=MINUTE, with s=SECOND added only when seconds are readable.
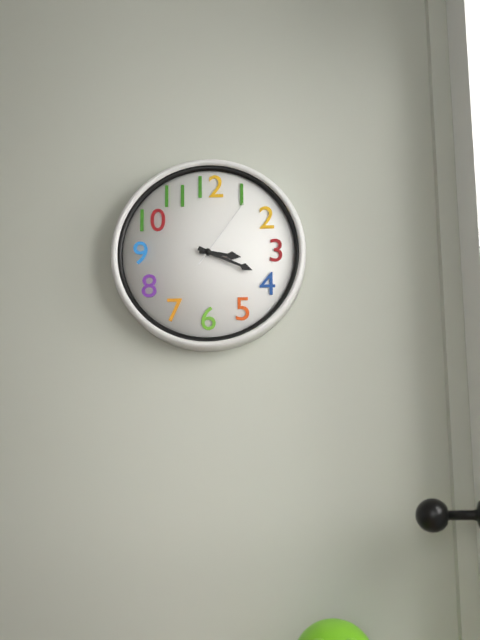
h=3 m=19 s=6
